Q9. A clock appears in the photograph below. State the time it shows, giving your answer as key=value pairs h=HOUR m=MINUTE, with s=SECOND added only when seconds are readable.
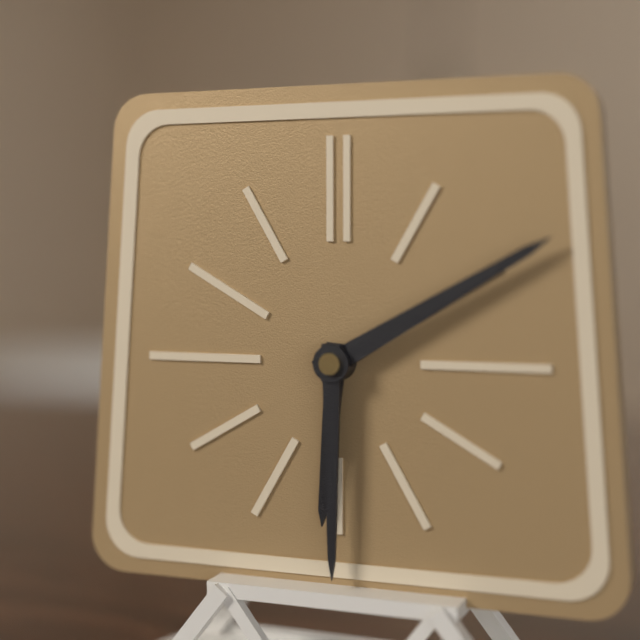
h=6 m=10 s=30
